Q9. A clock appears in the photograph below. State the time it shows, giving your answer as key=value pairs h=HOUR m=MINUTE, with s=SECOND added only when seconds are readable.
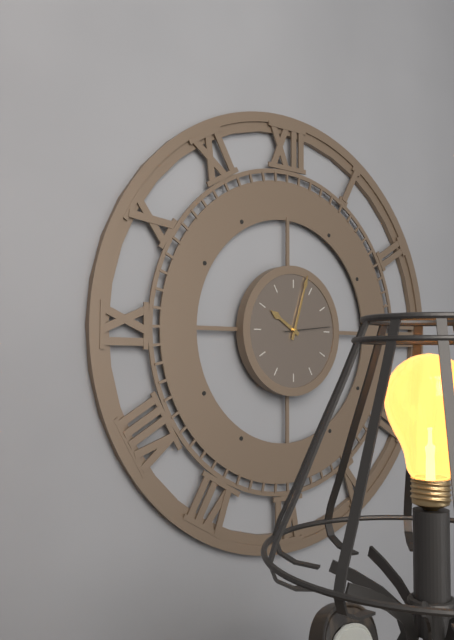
h=10 m=3 s=14
